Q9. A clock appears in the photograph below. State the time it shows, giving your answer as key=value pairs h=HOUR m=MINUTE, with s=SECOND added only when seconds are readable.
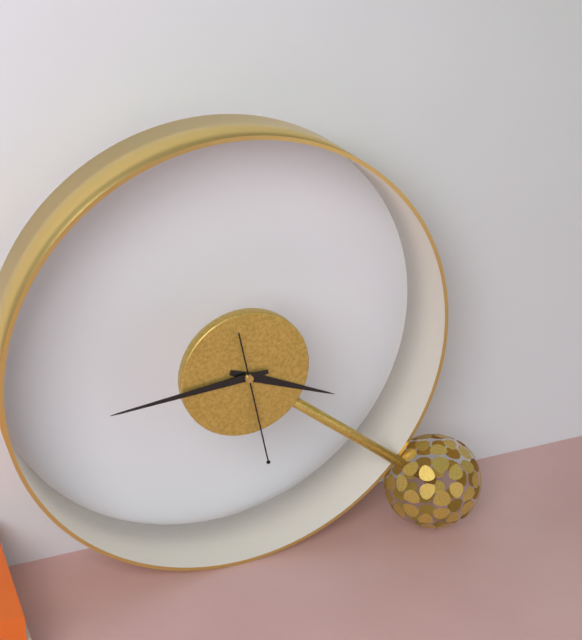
h=3 m=44 s=28
